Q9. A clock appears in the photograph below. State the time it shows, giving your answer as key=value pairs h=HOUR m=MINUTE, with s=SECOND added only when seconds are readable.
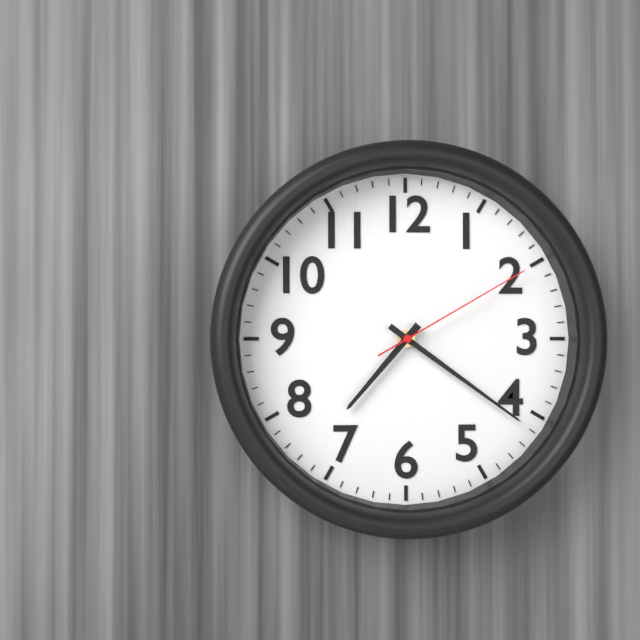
h=7 m=21 s=10
